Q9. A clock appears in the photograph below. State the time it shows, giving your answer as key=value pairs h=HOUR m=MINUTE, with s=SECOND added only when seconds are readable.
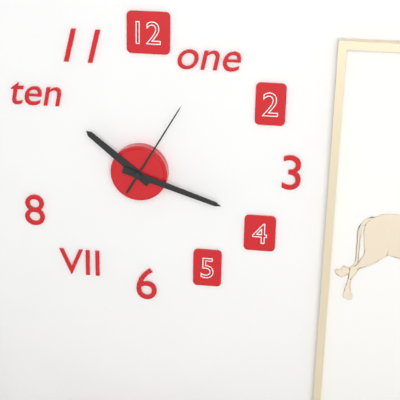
h=10 m=18 s=5
